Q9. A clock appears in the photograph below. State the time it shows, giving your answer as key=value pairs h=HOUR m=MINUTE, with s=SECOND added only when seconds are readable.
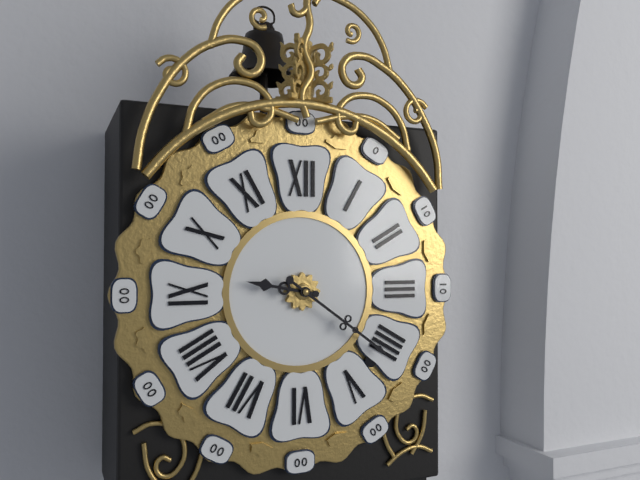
h=9 m=21
